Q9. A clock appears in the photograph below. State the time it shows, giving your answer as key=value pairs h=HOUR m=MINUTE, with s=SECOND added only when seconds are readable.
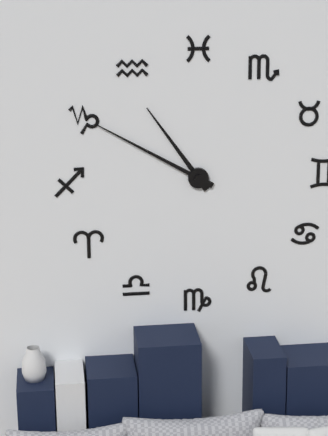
h=10 m=50
